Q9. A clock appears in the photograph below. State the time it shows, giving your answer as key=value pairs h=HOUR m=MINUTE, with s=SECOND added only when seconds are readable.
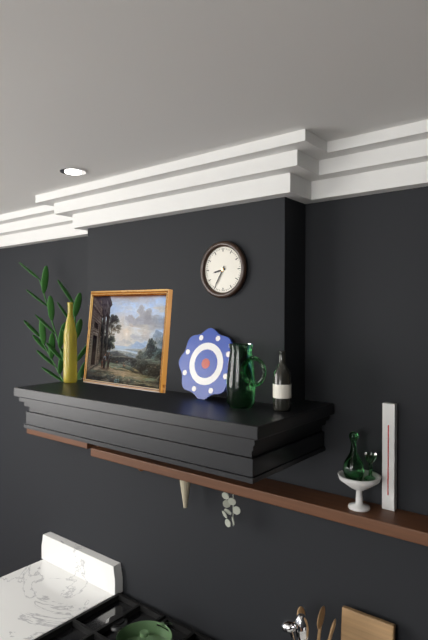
h=8 m=35
